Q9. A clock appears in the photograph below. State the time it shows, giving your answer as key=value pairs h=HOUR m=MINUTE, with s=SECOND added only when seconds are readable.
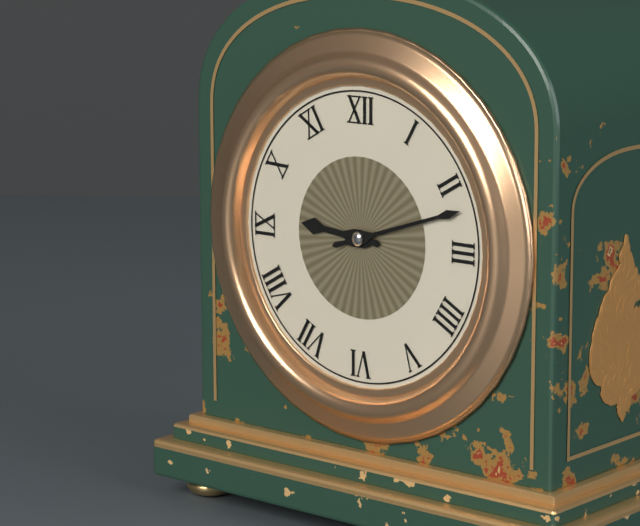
h=9 m=12
